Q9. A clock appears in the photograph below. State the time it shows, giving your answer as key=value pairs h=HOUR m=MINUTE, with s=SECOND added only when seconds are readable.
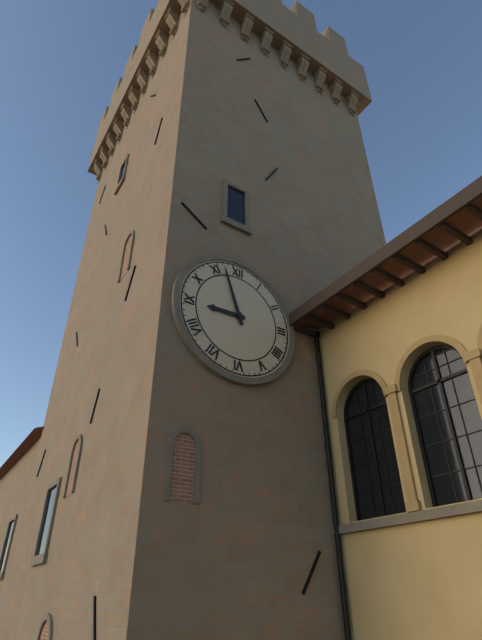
h=8 m=57
